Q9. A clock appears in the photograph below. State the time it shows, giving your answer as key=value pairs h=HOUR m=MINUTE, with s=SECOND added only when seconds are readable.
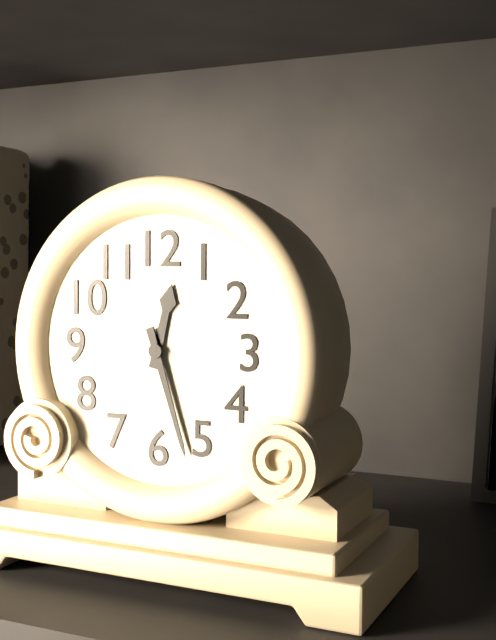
h=12 m=27
